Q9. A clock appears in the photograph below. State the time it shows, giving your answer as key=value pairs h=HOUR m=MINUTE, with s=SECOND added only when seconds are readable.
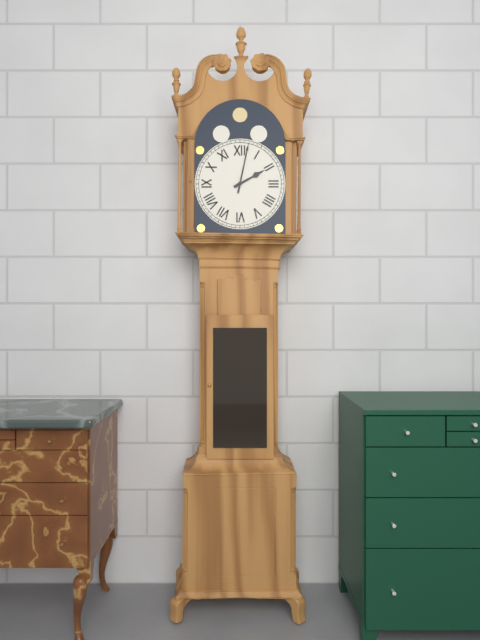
h=2 m=2
